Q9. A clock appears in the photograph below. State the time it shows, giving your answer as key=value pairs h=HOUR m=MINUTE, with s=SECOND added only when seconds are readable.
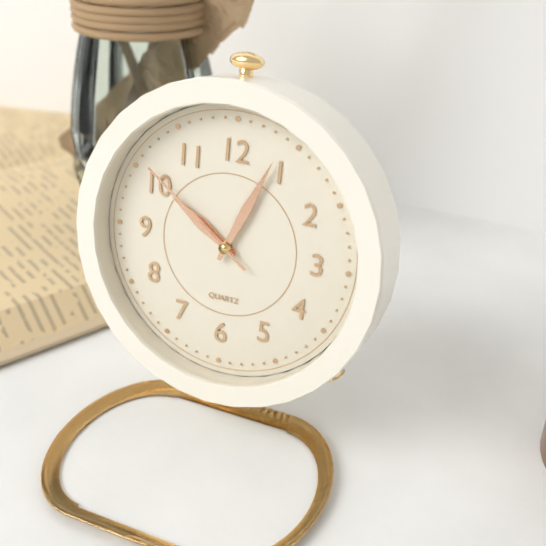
h=10 m=4 s=51
